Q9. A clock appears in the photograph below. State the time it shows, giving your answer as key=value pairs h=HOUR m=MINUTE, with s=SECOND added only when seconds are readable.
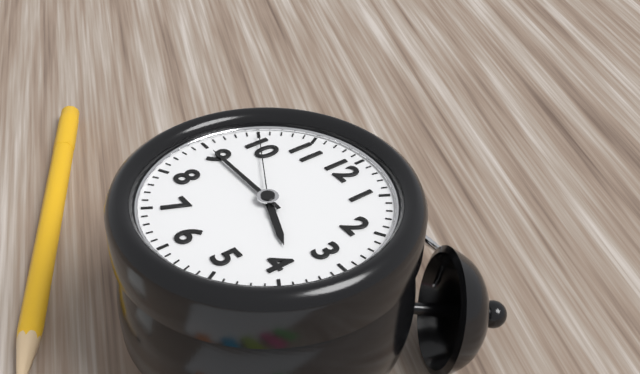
h=3 m=45 s=50
